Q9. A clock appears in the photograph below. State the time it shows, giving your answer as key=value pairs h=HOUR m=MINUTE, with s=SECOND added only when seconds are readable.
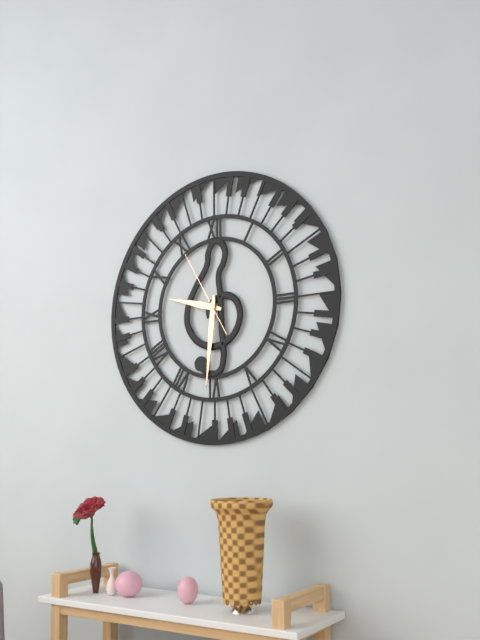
h=9 m=31 s=55
